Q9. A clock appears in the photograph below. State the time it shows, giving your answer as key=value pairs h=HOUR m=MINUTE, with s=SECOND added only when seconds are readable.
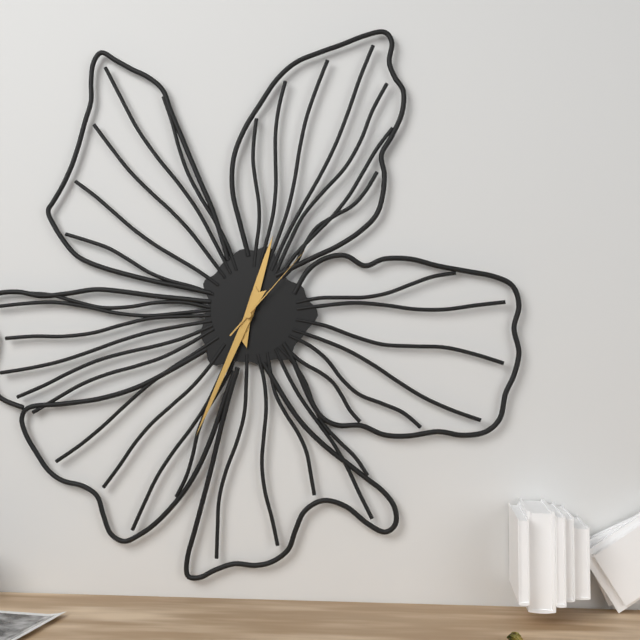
h=12 m=34 s=7
